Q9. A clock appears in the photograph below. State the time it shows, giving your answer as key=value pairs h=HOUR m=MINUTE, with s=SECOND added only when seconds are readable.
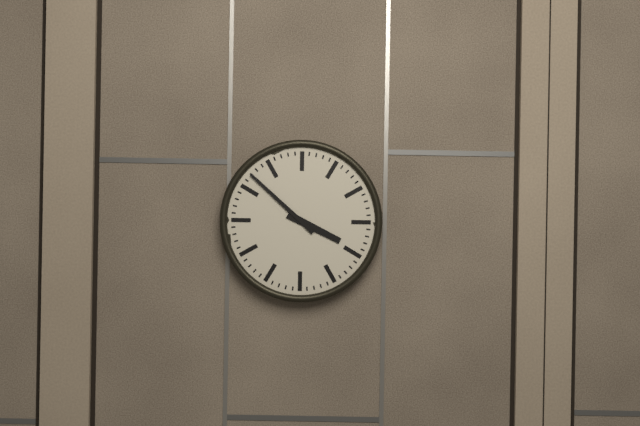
h=3 m=52
